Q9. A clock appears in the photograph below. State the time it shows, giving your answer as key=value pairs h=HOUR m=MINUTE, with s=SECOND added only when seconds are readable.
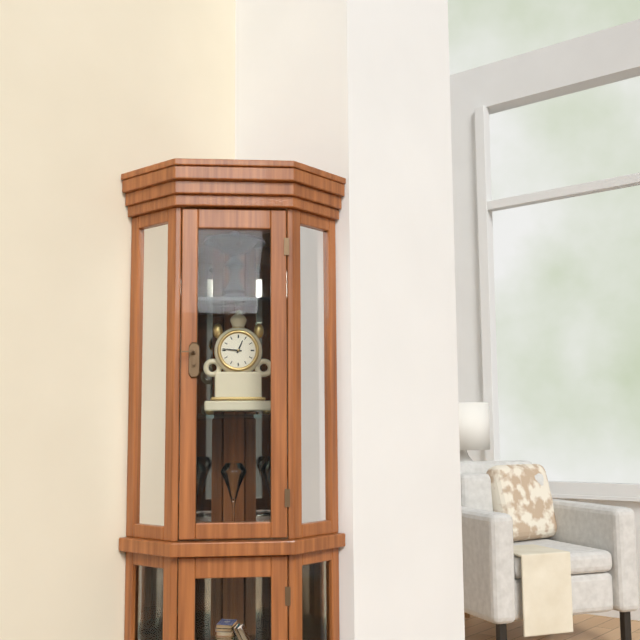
h=12 m=46
